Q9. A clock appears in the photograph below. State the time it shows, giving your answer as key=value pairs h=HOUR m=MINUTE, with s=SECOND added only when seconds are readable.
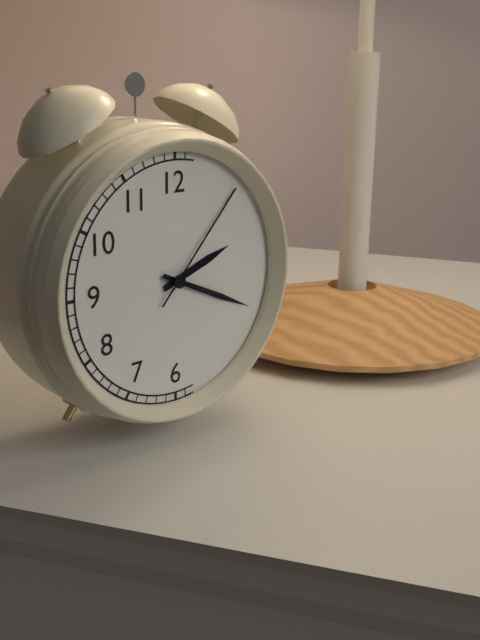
h=2 m=19 s=7
